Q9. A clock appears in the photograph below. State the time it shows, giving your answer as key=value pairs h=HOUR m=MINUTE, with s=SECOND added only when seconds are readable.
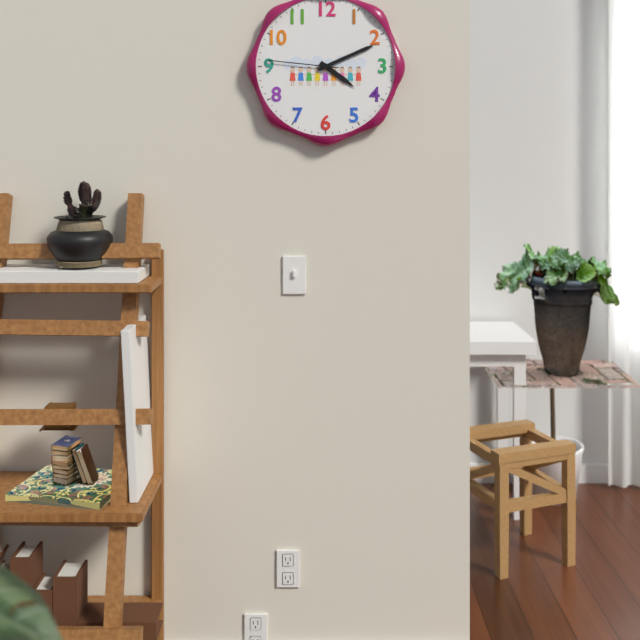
h=4 m=11 s=46
